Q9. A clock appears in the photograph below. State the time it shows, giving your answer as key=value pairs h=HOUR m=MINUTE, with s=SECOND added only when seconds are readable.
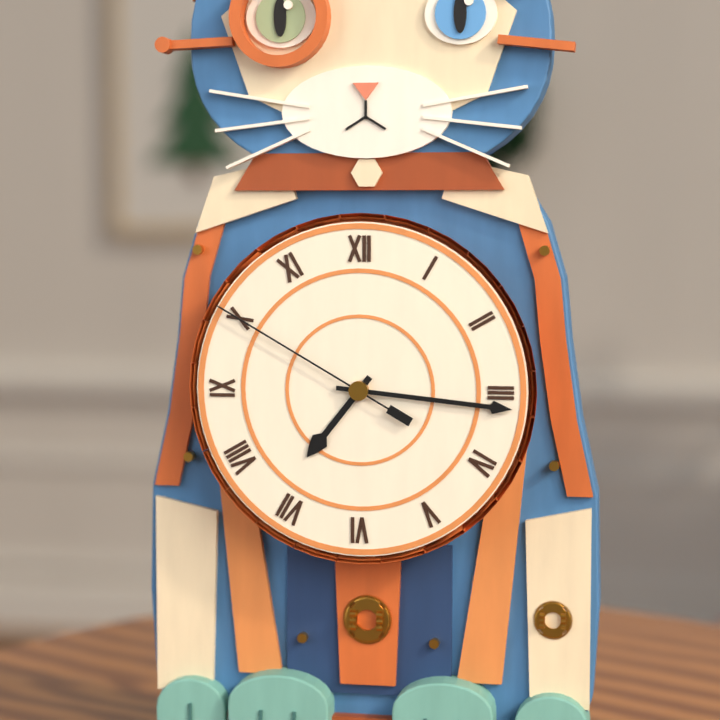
h=7 m=16 s=50
